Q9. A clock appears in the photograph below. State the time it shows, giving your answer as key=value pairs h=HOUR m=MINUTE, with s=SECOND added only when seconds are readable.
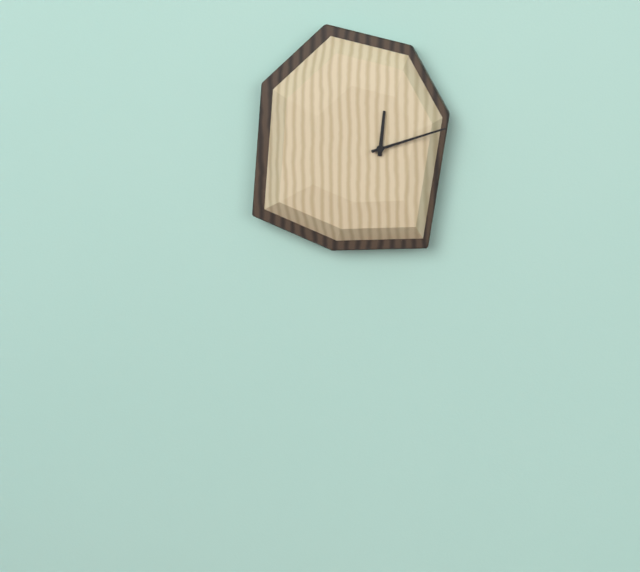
h=12 m=12
